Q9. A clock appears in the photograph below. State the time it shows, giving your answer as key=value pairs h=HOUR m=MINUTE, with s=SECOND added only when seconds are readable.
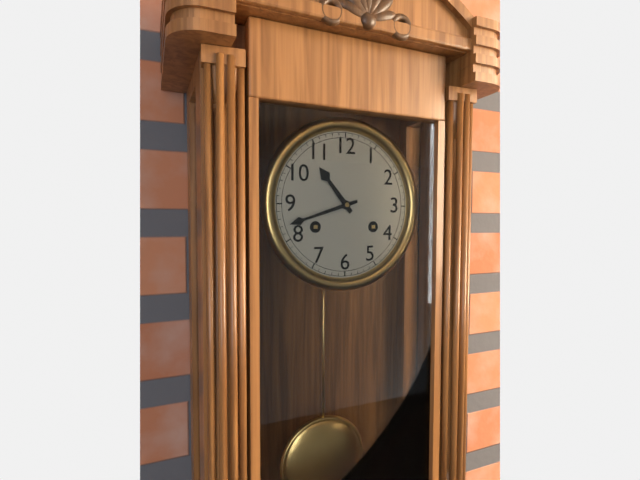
h=10 m=42
